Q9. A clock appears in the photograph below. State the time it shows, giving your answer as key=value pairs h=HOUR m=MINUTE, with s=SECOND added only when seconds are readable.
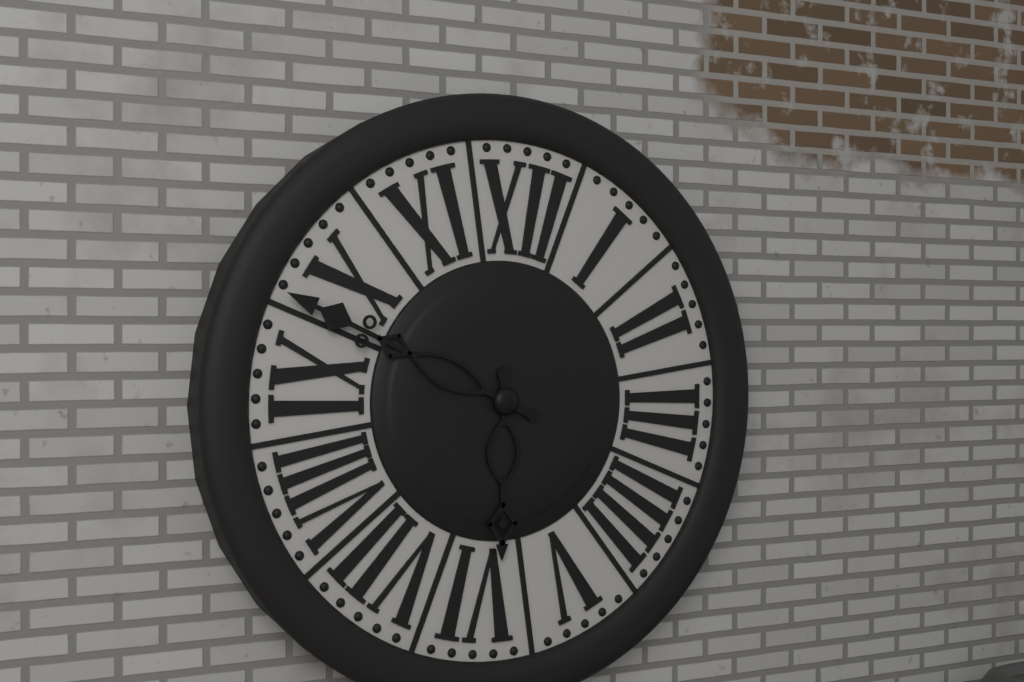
h=5 m=48
